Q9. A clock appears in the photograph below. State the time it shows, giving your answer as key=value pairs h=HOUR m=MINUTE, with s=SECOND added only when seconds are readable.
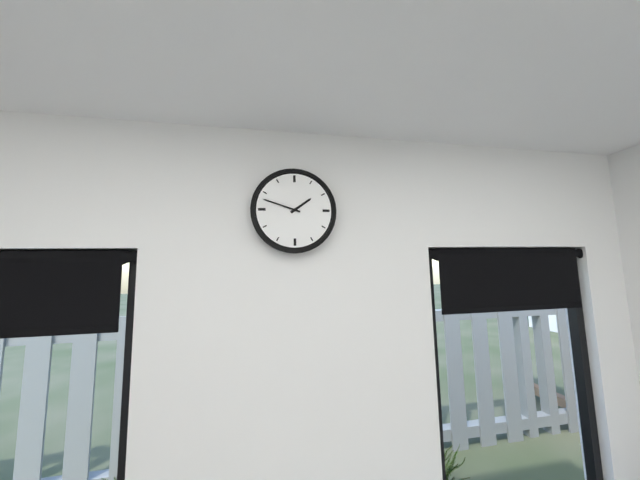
h=1 m=48
